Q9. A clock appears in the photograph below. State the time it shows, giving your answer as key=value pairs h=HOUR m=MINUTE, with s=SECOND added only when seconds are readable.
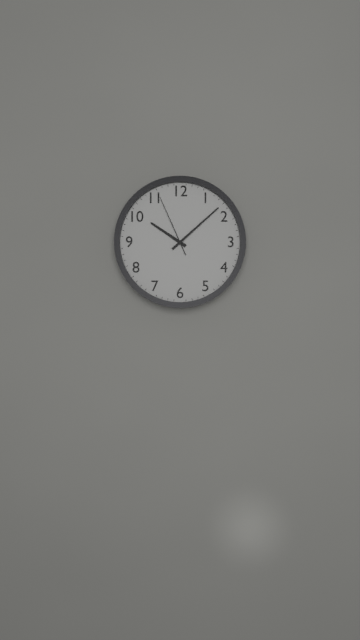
h=10 m=8 s=56
